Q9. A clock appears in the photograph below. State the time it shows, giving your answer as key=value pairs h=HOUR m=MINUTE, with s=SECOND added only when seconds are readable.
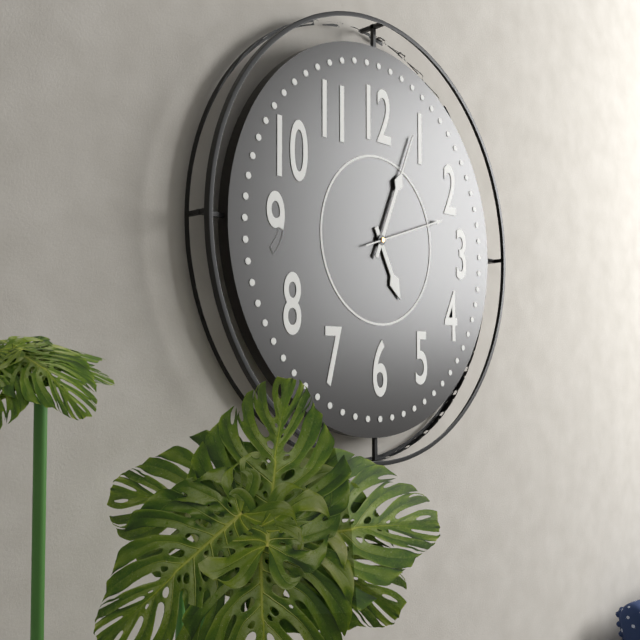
h=5 m=4 s=12
